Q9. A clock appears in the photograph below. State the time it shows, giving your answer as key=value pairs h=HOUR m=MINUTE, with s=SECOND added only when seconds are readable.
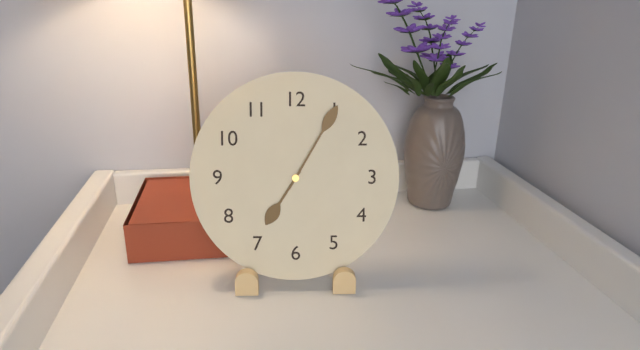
h=7 m=5
